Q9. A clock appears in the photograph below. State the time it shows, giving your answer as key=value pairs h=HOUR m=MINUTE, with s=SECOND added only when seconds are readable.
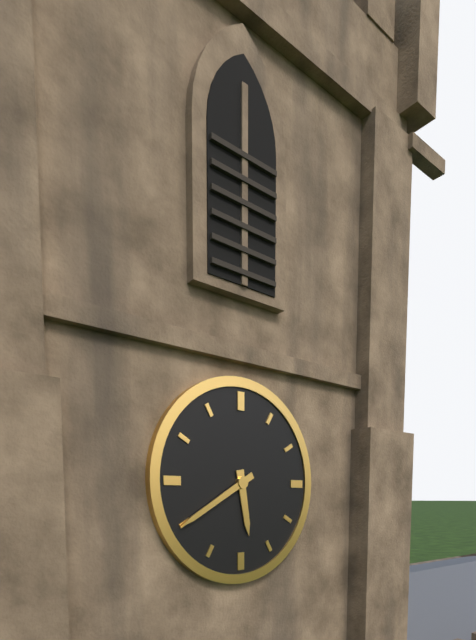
h=5 m=40
